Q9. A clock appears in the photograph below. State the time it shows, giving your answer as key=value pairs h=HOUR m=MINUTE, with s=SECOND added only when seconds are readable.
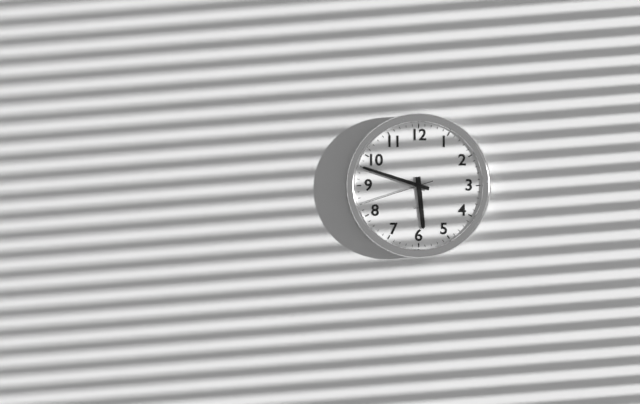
h=5 m=48 s=42
